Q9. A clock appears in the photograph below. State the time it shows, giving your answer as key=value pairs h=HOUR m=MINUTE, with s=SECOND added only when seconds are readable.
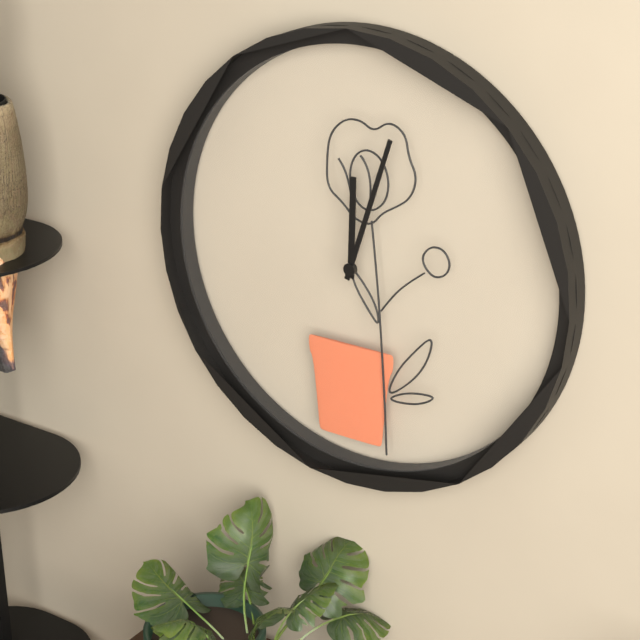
h=12 m=3
